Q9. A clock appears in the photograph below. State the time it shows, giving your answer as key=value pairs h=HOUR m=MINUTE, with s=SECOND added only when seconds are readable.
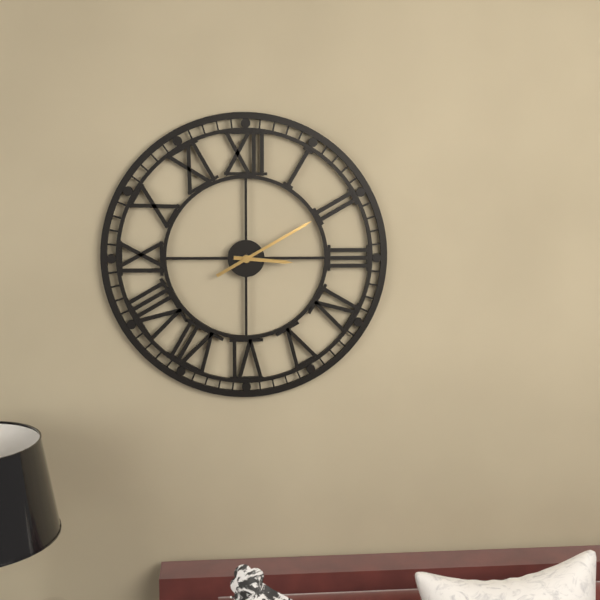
h=3 m=10
